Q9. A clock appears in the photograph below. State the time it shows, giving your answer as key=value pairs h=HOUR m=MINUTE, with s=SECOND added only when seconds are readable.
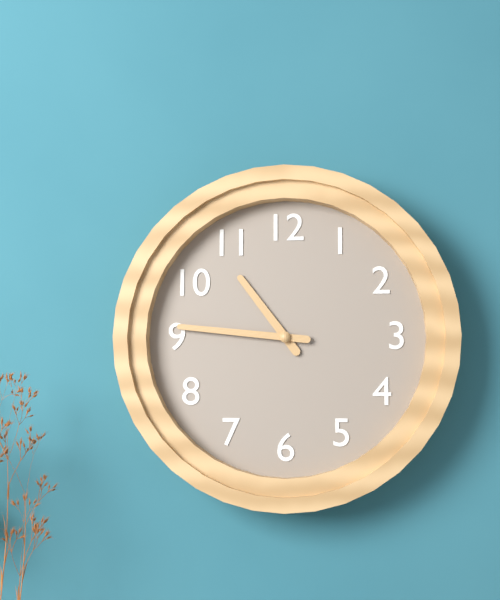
h=10 m=46
